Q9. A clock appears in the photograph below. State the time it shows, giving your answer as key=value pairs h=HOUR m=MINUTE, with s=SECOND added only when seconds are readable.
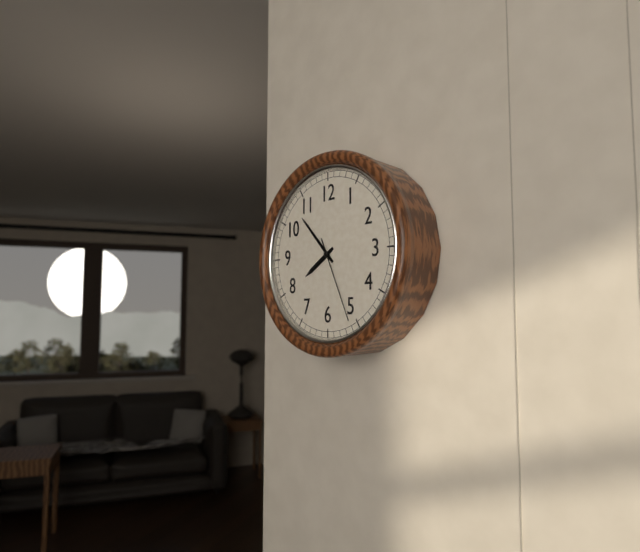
h=7 m=53 s=26
